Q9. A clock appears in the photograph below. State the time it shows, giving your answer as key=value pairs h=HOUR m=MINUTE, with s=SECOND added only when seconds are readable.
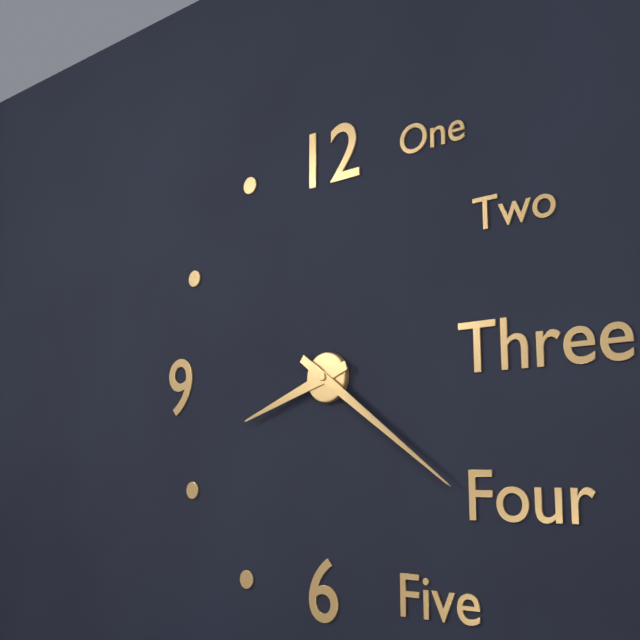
h=8 m=21
